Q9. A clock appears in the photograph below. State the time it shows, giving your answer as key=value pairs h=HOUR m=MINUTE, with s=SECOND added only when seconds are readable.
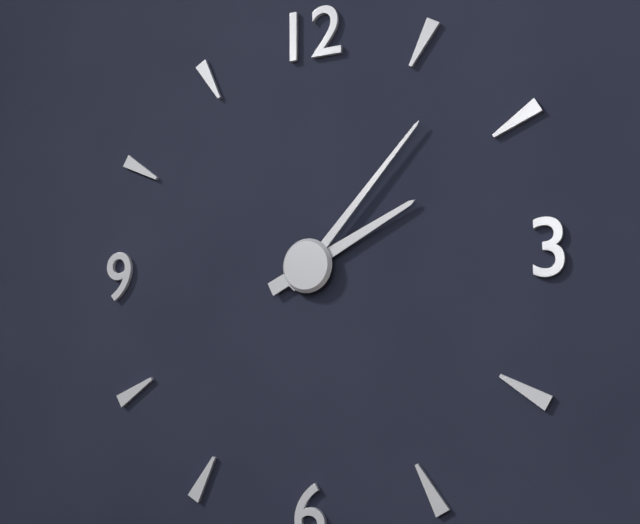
h=2 m=7
